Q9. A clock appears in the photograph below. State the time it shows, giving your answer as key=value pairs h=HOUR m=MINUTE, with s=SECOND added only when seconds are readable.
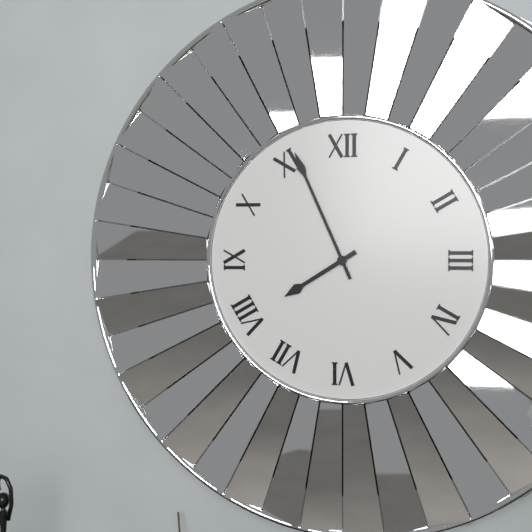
h=7 m=56
